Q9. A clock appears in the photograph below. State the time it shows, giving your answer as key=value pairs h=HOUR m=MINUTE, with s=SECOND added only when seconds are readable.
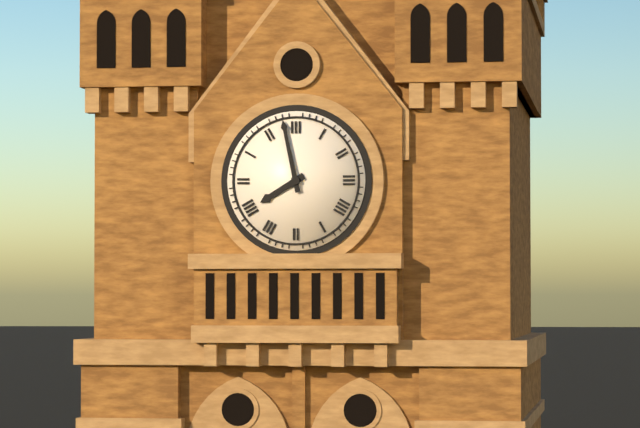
h=7 m=58
